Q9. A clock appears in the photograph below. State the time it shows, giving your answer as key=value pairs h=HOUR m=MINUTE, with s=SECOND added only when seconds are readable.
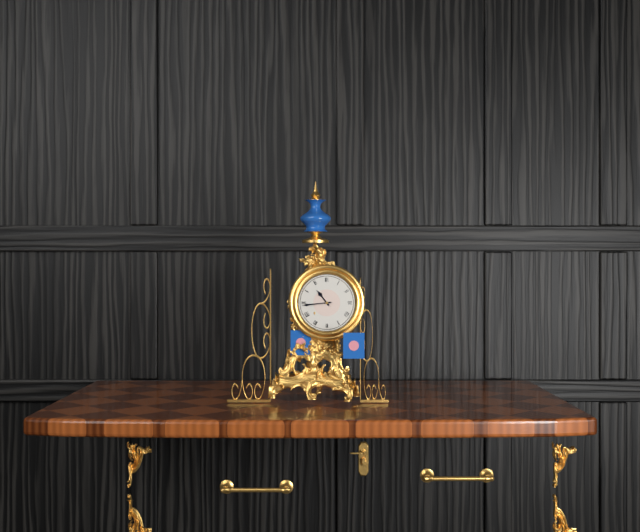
h=10 m=44
